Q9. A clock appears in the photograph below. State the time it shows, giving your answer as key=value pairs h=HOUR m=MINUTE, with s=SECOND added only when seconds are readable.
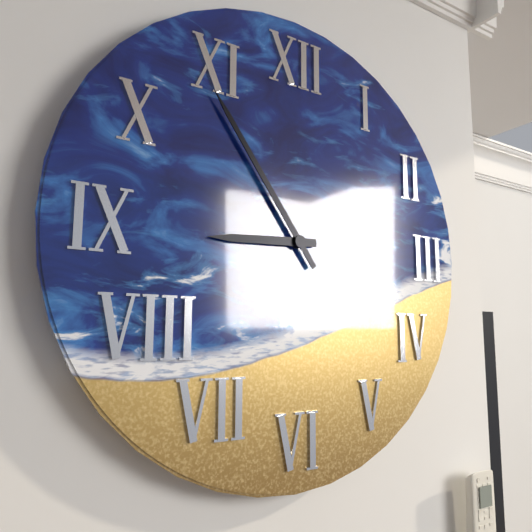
h=8 m=54
